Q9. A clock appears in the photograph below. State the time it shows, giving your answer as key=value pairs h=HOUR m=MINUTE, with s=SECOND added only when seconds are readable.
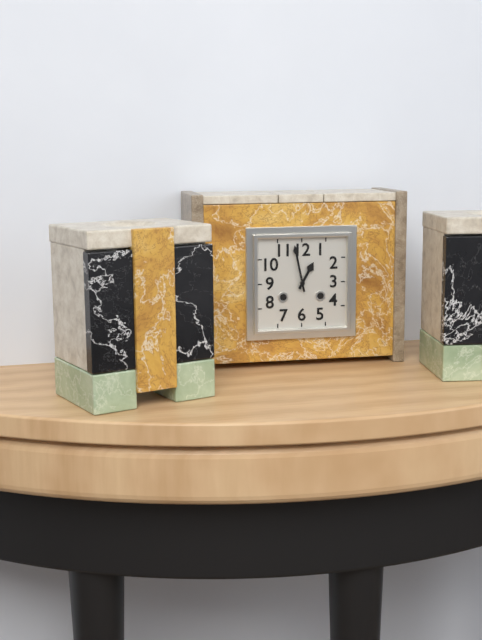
h=12 m=58
